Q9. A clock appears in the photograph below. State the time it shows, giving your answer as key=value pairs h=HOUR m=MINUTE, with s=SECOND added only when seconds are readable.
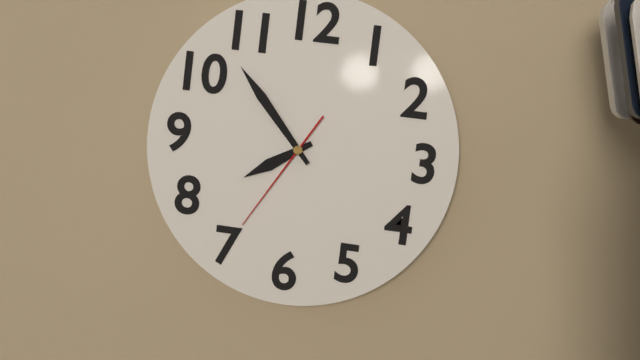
h=7 m=53 s=35
